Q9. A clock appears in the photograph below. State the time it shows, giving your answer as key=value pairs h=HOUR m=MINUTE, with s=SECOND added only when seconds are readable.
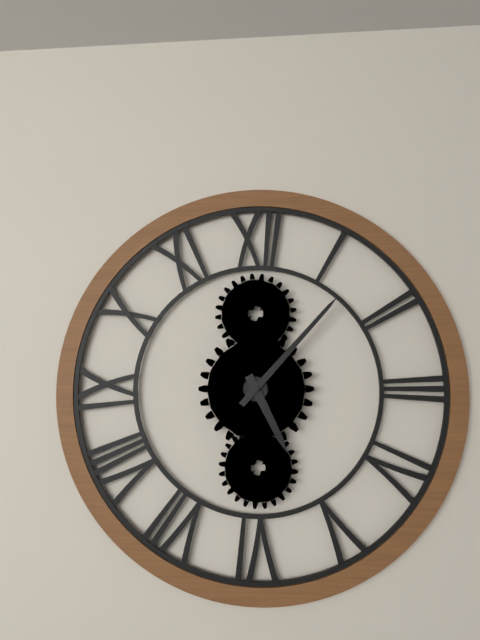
h=5 m=7
